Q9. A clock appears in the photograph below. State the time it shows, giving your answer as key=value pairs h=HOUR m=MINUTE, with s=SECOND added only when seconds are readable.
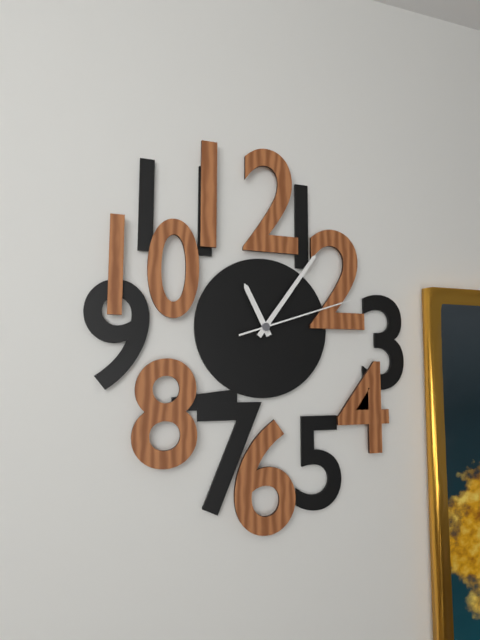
h=11 m=6 s=12
